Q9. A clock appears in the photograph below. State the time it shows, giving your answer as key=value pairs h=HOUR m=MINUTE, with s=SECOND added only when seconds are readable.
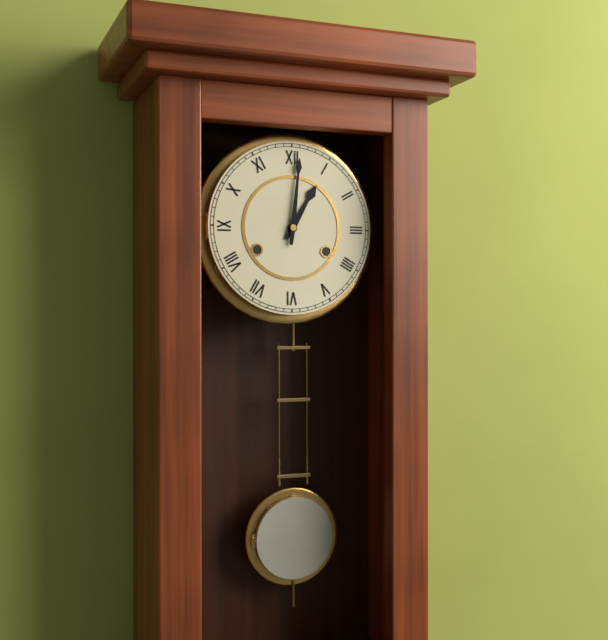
h=1 m=1
